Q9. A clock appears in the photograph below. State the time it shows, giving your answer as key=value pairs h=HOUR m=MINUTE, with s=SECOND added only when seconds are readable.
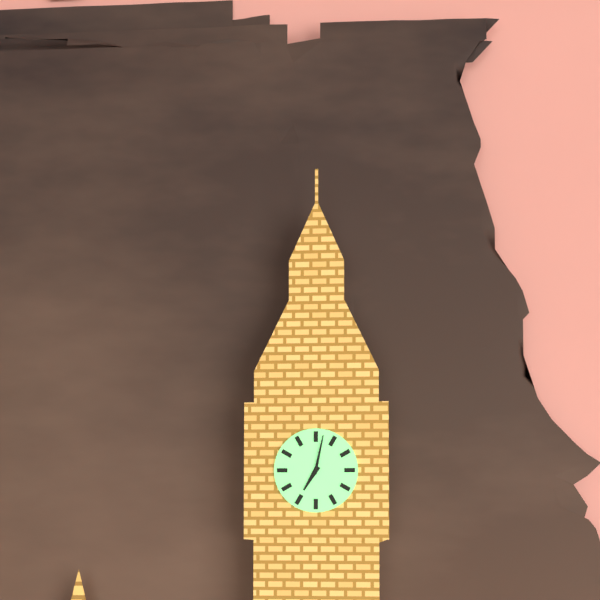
h=7 m=2
